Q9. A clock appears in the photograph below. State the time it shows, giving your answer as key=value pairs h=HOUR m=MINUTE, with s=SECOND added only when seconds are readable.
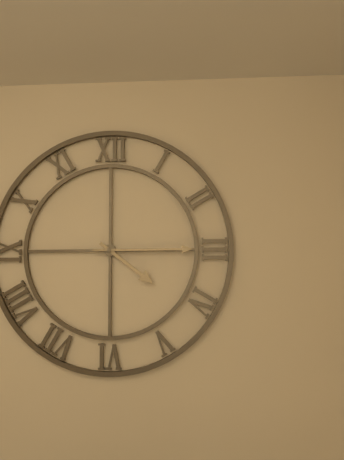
h=4 m=15
